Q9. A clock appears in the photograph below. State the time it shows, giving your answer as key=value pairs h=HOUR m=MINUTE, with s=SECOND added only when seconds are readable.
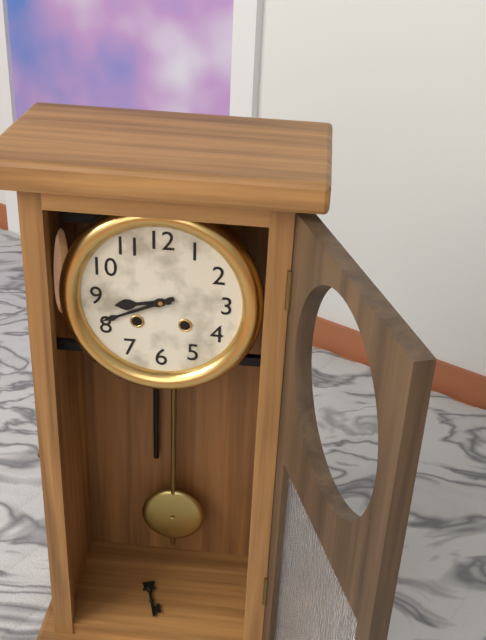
h=8 m=41
